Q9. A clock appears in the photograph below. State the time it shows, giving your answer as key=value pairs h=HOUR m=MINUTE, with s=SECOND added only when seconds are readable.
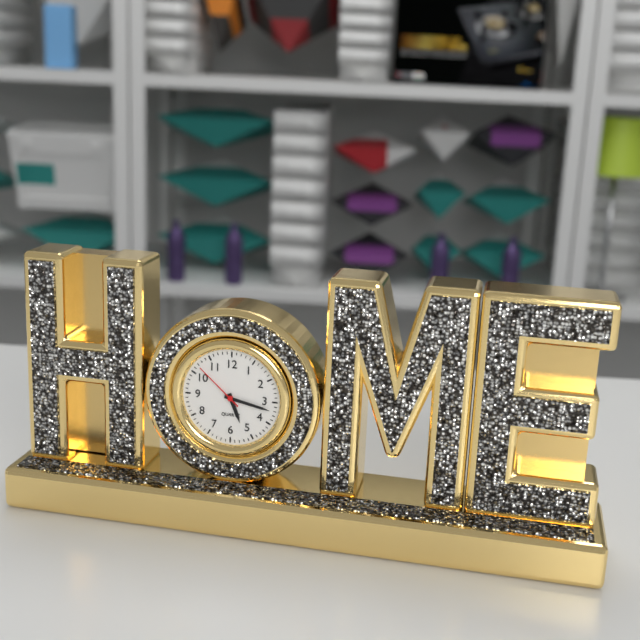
h=5 m=17 s=52
